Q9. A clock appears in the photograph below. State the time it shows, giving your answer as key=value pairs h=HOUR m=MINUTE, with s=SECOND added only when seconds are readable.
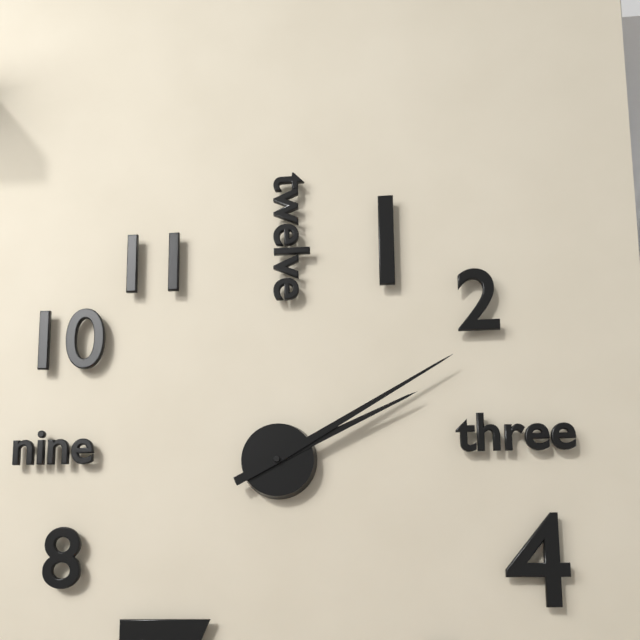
h=2 m=10
